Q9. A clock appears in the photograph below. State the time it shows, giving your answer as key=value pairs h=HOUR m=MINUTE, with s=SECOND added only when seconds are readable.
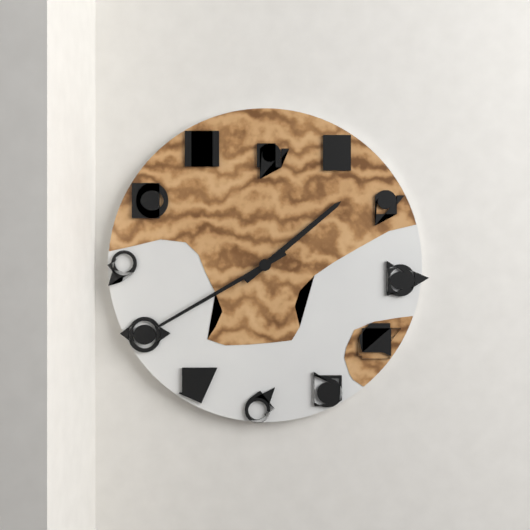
h=1 m=40
